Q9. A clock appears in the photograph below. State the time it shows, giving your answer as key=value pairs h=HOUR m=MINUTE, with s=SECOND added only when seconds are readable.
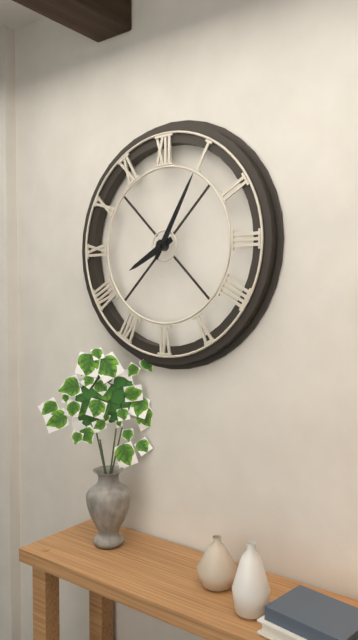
h=8 m=5
